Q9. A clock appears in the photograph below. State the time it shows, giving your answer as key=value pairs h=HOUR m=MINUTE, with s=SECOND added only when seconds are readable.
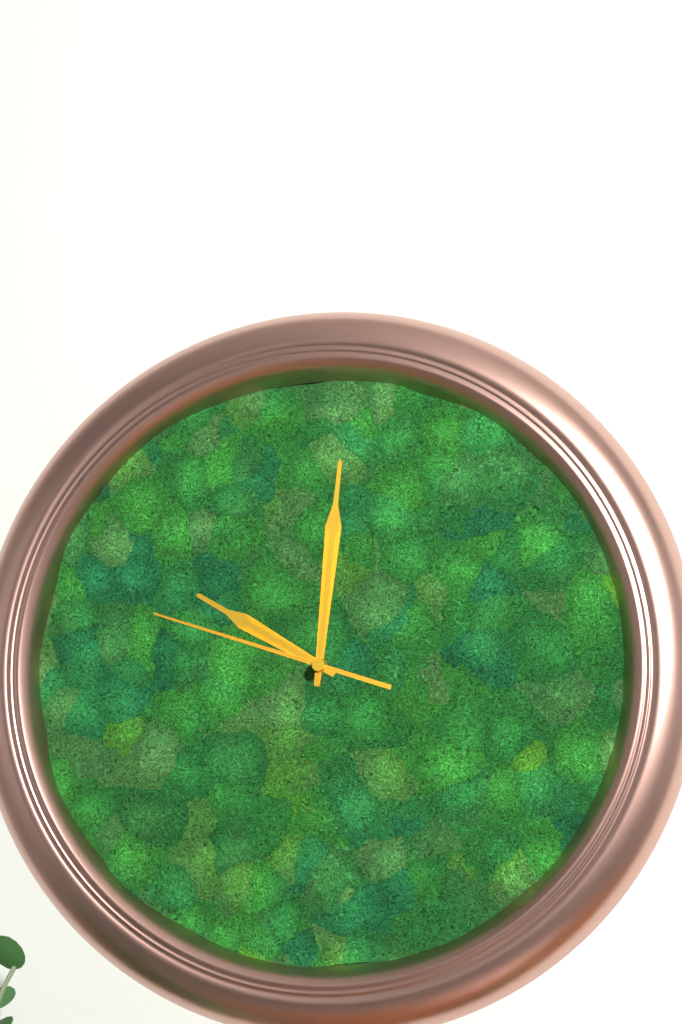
h=10 m=1 s=48
